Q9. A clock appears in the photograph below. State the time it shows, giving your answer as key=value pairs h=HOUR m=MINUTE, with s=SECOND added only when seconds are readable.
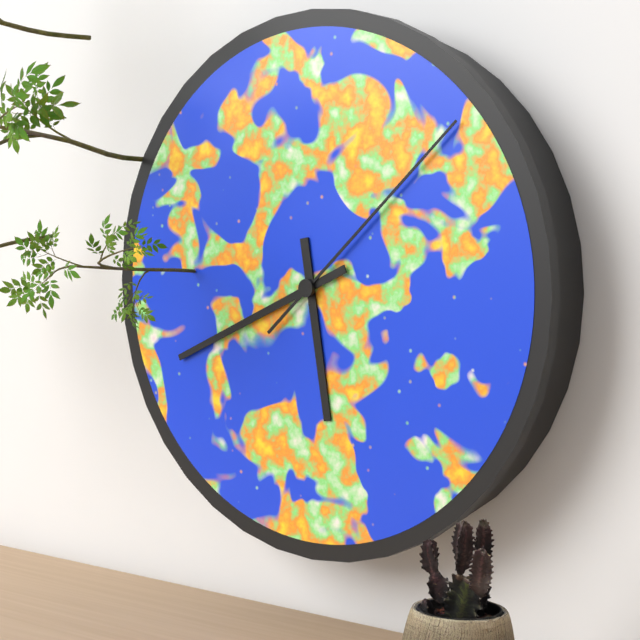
h=5 m=41 s=8
